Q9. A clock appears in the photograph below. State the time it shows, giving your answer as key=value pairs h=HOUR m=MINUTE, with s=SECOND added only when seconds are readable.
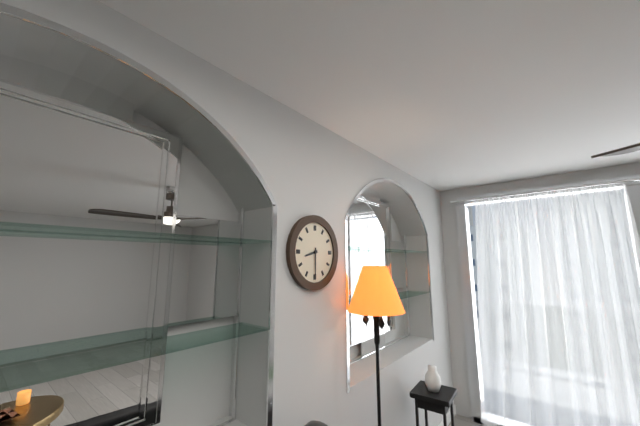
h=8 m=30
